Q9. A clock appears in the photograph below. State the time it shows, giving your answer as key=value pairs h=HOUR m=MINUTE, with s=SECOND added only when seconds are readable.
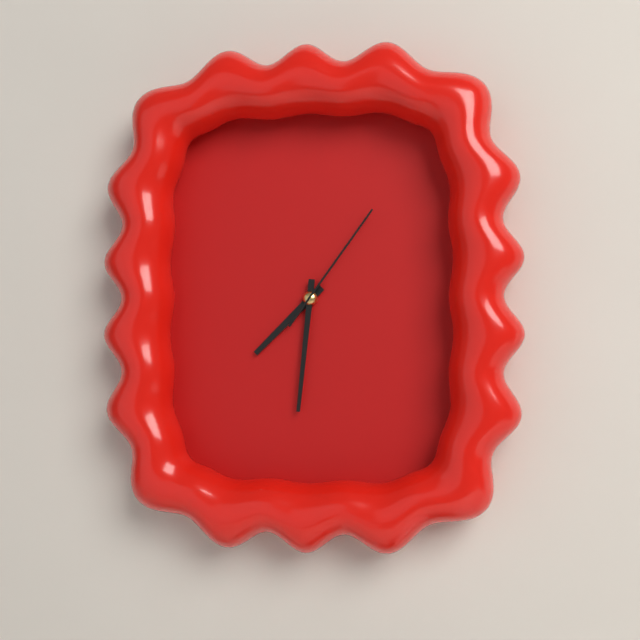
h=7 m=31 s=6
